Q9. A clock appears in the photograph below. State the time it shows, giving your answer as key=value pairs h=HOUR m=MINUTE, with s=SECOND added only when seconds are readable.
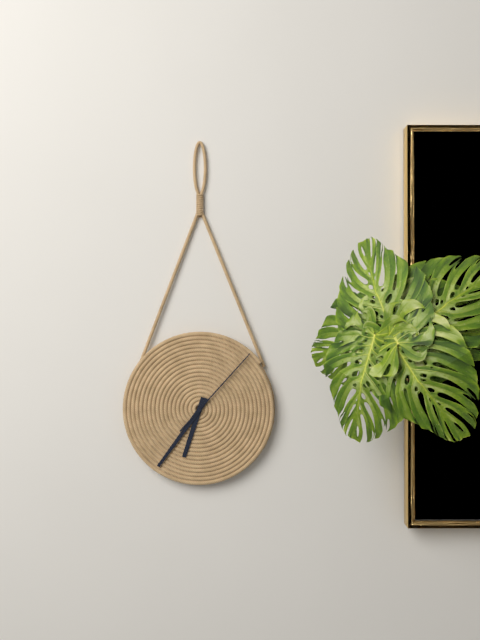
h=6 m=36 s=7
